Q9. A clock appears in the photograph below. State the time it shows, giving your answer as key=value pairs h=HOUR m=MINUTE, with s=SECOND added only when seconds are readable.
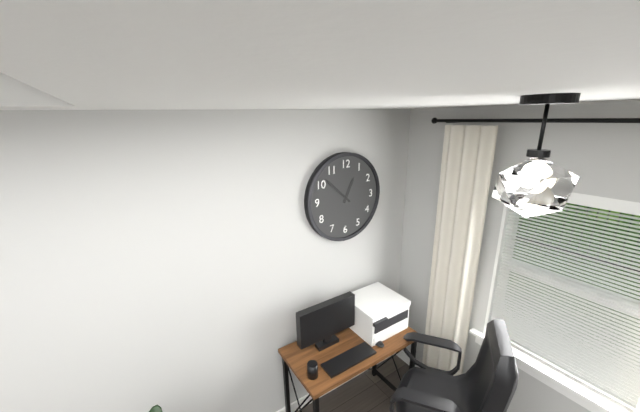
h=12 m=52
